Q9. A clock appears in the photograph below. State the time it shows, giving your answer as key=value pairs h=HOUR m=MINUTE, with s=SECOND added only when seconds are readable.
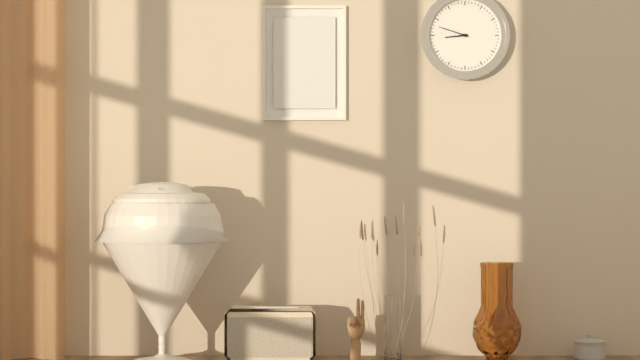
h=8 m=48
